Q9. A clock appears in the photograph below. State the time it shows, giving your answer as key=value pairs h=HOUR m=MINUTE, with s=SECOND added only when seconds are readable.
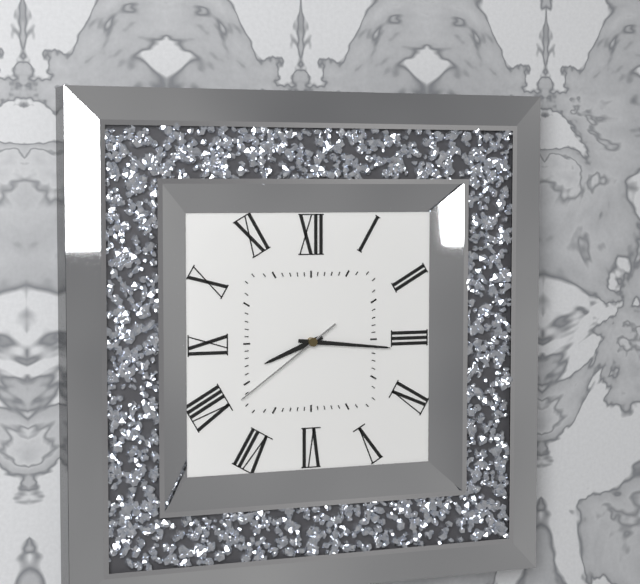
h=8 m=16 s=39
